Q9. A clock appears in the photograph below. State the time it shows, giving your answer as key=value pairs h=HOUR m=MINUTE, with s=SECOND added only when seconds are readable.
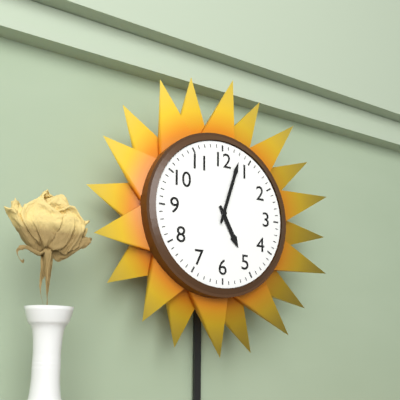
h=5 m=3
